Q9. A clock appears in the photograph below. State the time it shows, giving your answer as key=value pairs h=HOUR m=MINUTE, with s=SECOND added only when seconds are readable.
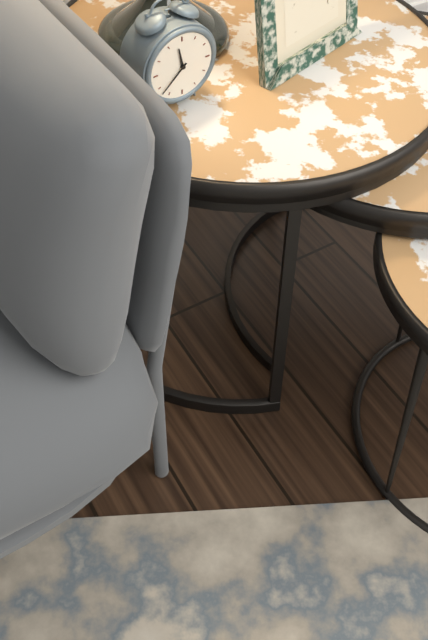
h=11 m=38
